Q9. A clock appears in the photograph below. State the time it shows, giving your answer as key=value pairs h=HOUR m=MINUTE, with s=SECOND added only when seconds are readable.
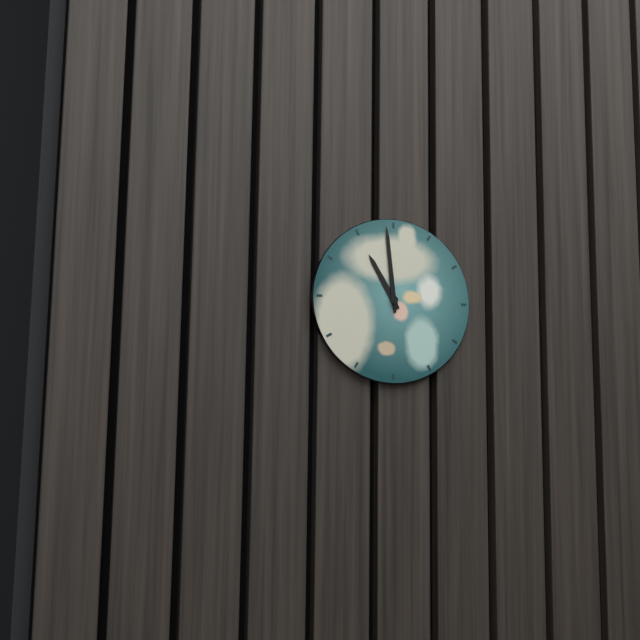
h=10 m=59
